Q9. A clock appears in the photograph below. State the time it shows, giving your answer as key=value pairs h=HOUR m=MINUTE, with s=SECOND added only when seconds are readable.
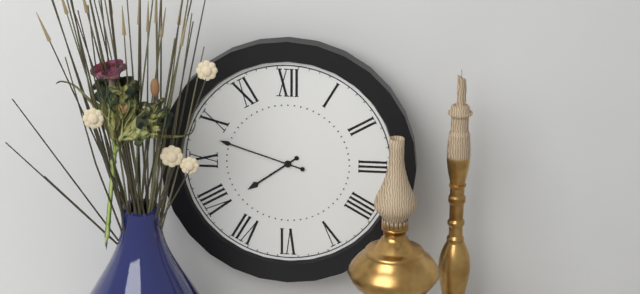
h=7 m=48
